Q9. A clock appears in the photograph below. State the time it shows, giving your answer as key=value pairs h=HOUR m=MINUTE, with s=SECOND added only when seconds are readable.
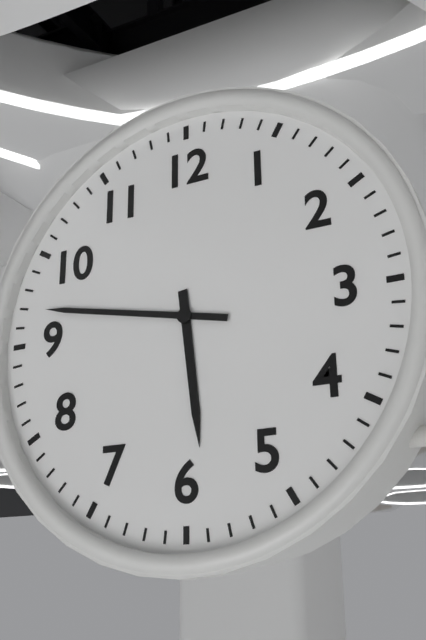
h=5 m=47
